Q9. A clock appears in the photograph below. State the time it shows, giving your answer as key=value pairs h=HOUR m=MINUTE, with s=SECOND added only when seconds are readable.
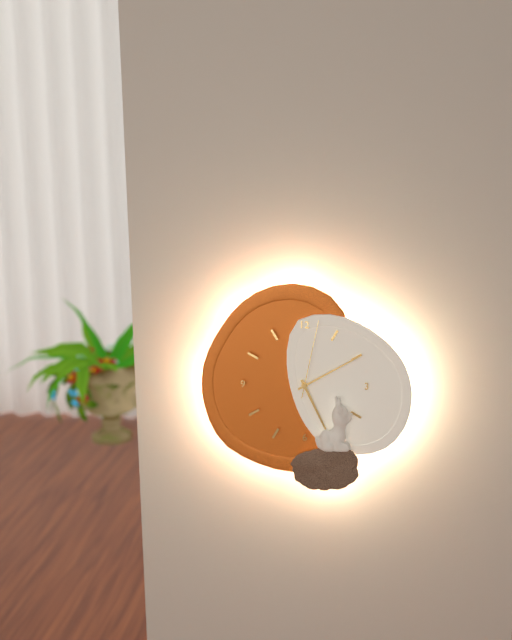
h=5 m=10 s=2
